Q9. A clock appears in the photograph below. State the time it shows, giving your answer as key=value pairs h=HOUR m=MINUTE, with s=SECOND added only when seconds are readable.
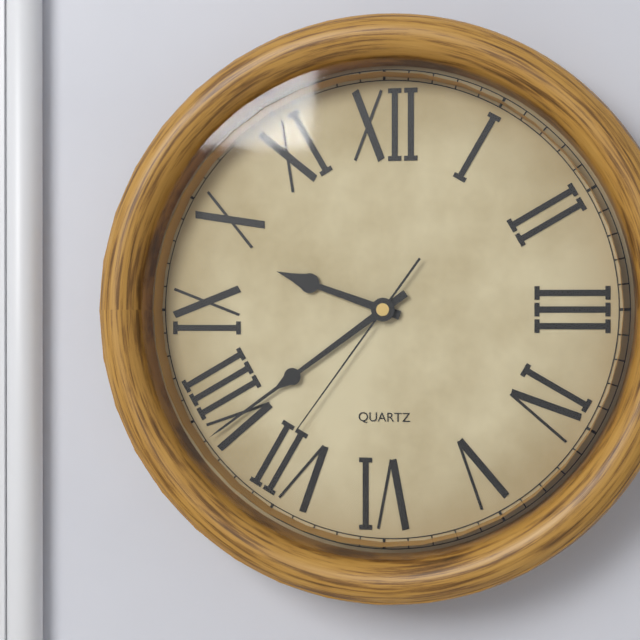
h=9 m=39 s=36
